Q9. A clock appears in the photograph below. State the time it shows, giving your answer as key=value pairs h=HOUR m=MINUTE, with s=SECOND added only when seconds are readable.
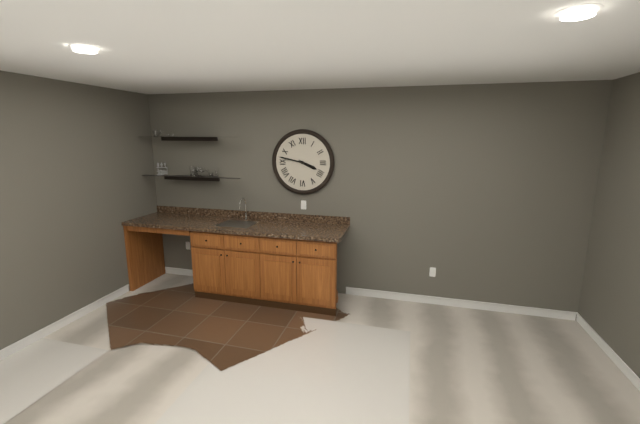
h=3 m=47
